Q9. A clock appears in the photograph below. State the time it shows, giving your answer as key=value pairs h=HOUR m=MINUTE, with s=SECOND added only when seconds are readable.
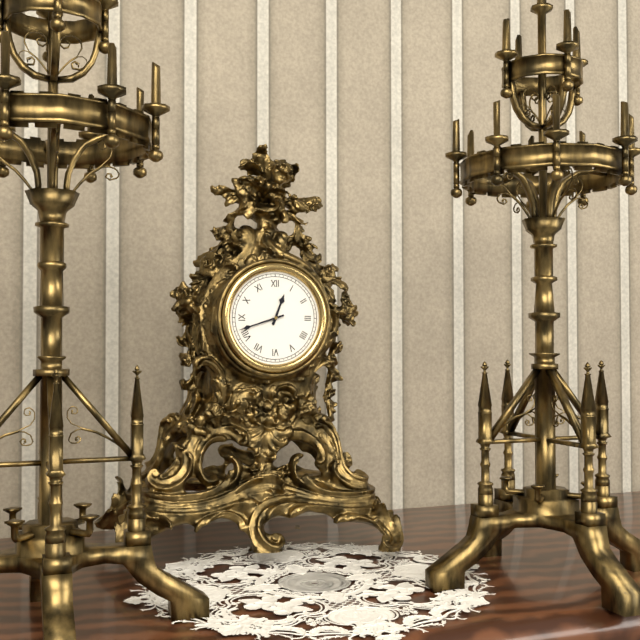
h=12 m=42
